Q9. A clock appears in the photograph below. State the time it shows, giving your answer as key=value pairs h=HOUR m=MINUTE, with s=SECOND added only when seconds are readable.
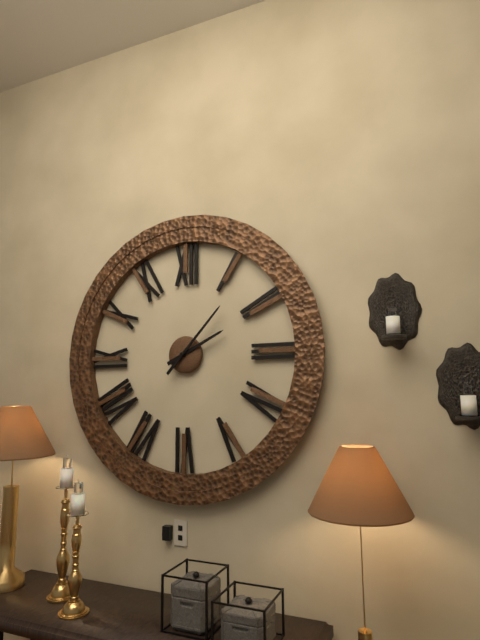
h=2 m=7
